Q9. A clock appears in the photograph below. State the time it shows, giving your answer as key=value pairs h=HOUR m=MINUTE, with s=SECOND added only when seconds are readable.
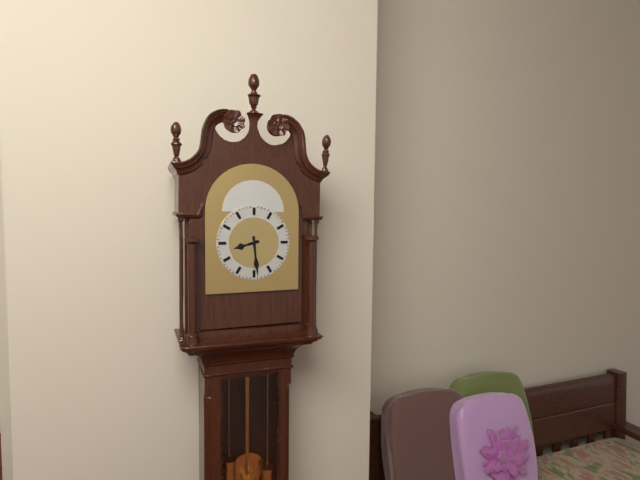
h=8 m=29
